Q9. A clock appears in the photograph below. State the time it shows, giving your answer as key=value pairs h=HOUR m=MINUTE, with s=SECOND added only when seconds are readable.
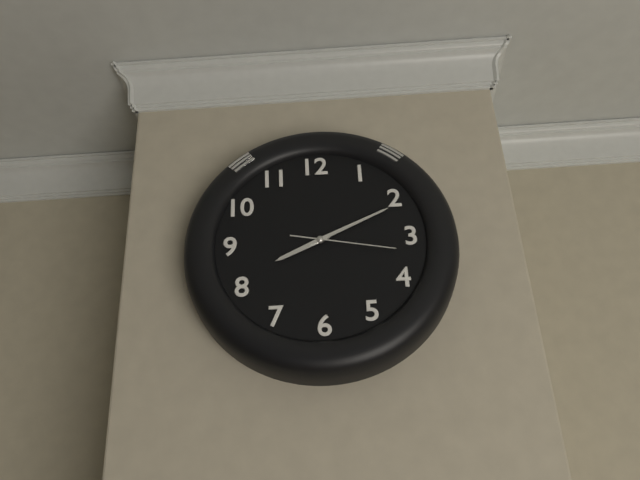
h=8 m=11 s=17
